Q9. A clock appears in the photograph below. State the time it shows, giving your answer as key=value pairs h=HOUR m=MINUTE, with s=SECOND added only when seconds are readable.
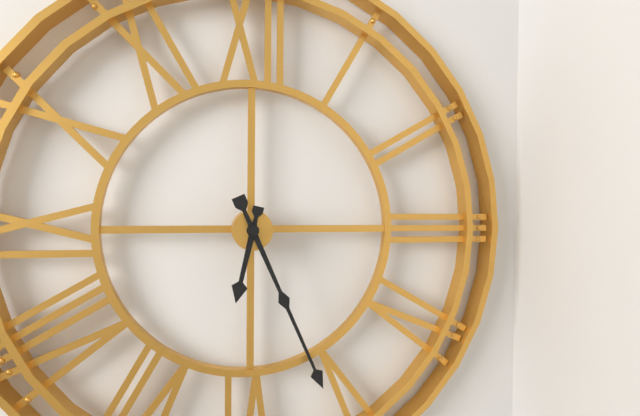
h=6 m=26
